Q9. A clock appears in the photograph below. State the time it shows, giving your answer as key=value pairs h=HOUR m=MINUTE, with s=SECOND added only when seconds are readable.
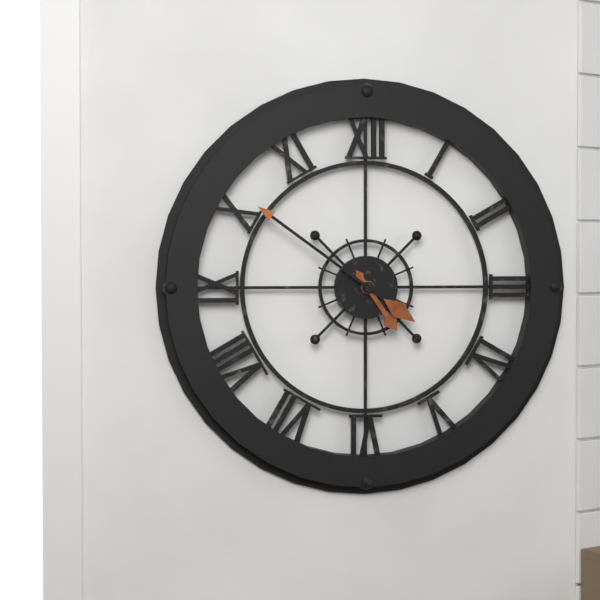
h=4 m=51
